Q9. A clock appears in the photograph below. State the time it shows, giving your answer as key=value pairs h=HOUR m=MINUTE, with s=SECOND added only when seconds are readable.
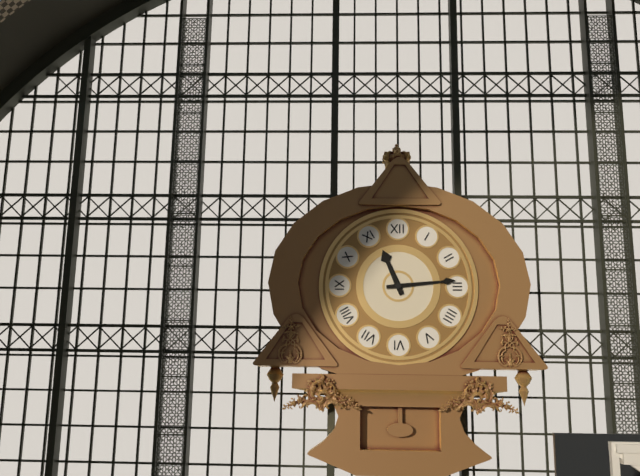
h=11 m=14
